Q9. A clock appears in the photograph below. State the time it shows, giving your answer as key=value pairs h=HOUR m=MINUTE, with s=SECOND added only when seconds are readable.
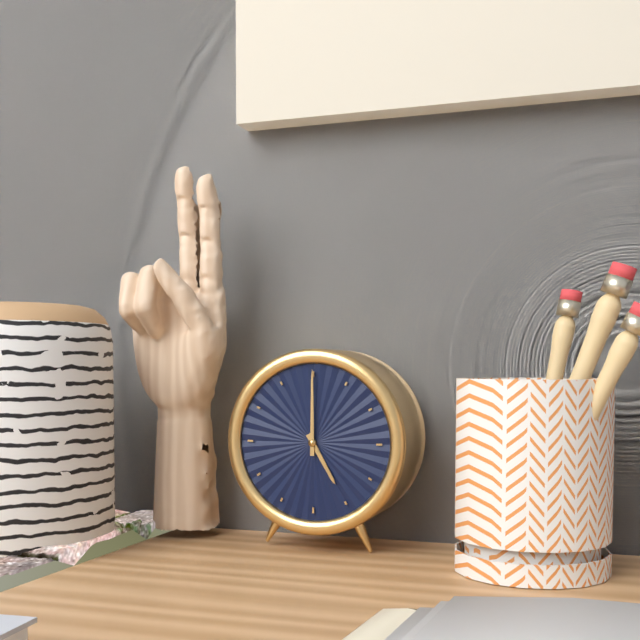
h=5 m=0
